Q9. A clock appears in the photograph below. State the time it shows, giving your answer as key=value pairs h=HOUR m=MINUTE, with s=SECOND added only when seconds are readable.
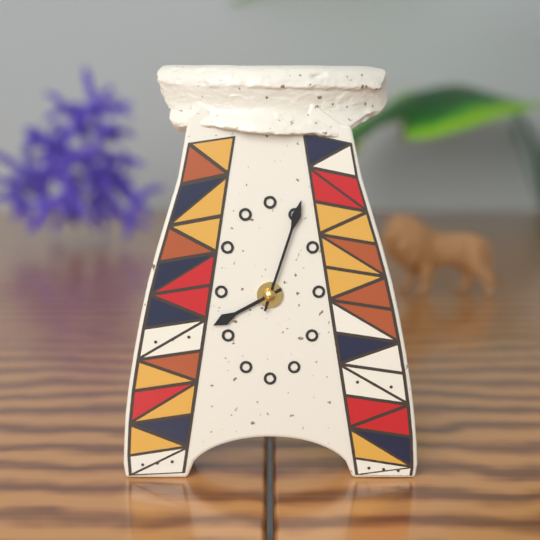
h=8 m=3
